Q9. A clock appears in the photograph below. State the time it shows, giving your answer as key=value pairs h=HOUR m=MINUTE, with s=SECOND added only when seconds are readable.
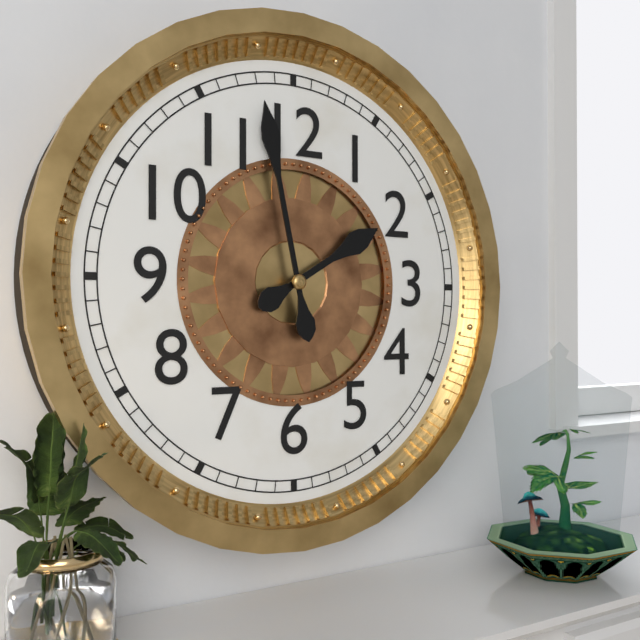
h=1 m=58
